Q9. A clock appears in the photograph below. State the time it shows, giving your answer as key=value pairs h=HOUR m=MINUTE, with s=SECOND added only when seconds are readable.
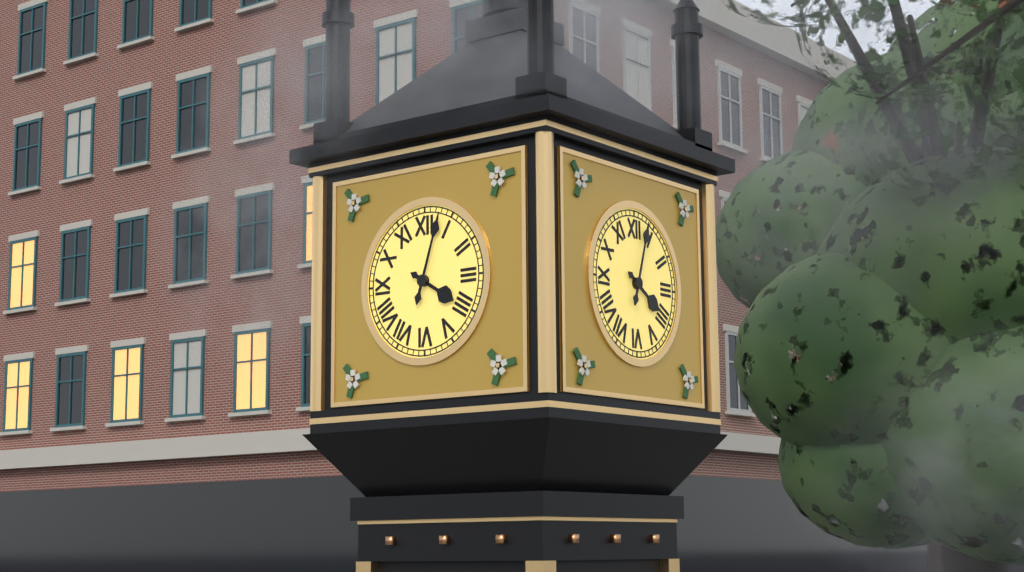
h=4 m=3
